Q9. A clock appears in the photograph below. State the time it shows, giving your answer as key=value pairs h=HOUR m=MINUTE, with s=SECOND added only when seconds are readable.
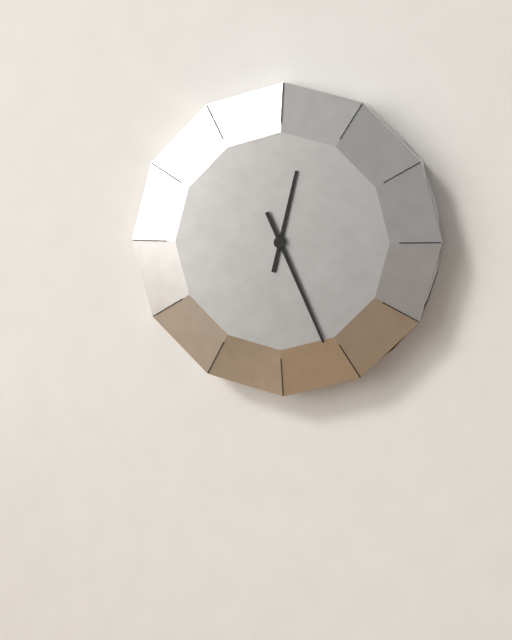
h=12 m=26
